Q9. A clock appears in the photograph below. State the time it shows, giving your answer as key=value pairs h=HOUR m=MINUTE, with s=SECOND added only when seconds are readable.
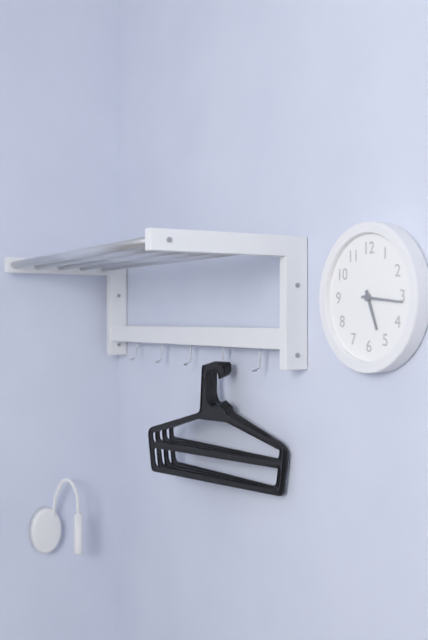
h=5 m=16
